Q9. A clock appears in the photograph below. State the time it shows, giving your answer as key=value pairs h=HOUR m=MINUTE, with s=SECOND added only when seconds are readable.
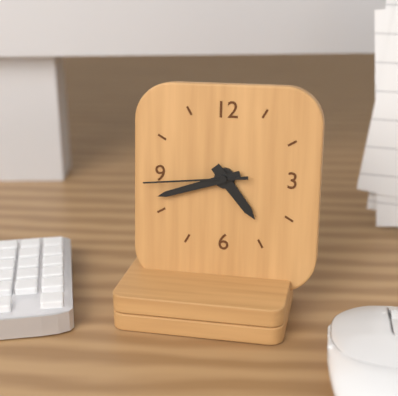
h=4 m=42 s=44
